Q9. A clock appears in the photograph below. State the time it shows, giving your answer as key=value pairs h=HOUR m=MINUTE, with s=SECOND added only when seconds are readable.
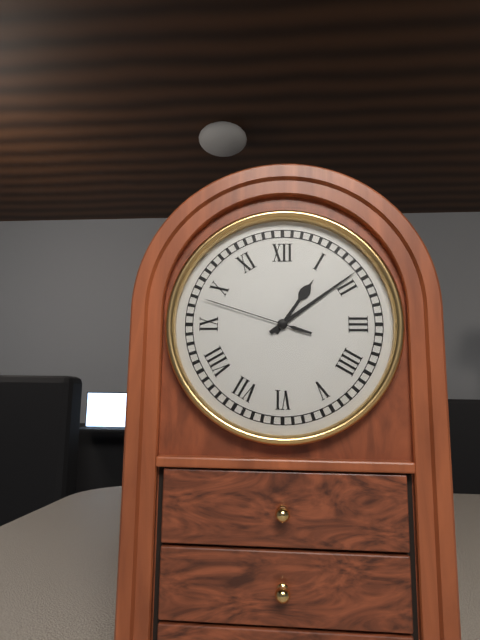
h=1 m=9 s=48
